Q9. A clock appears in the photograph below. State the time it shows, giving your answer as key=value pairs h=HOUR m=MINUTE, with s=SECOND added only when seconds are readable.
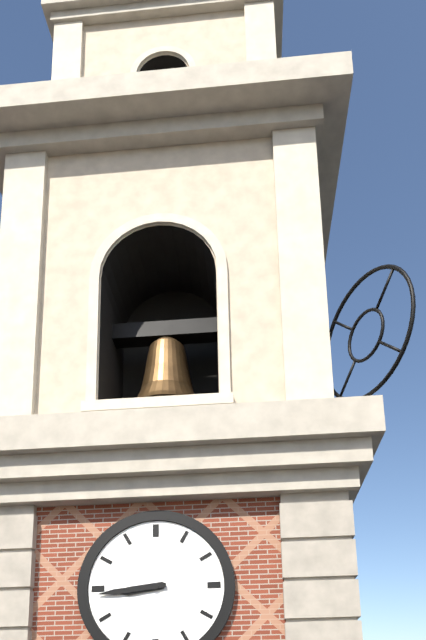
h=8 m=44
